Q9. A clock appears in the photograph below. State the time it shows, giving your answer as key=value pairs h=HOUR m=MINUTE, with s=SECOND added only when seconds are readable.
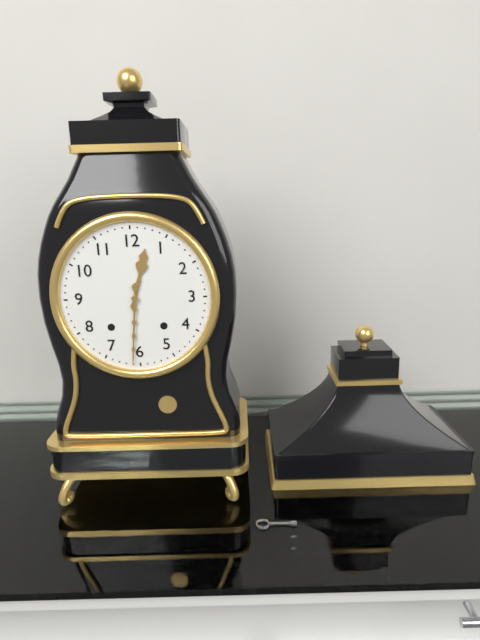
h=12 m=31
